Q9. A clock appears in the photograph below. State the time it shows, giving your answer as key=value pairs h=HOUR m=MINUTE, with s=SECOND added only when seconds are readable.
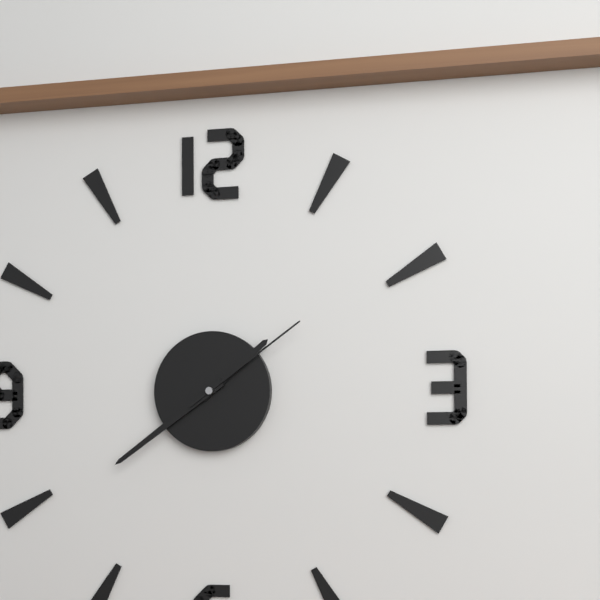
h=1 m=39 s=9
